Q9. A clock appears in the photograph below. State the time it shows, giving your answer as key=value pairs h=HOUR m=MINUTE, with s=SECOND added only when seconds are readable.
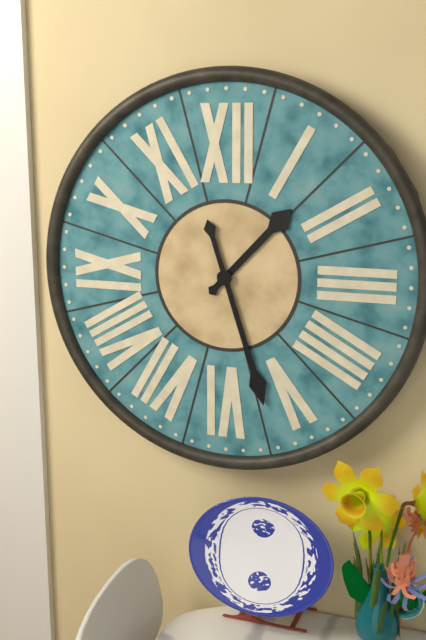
h=1 m=27
